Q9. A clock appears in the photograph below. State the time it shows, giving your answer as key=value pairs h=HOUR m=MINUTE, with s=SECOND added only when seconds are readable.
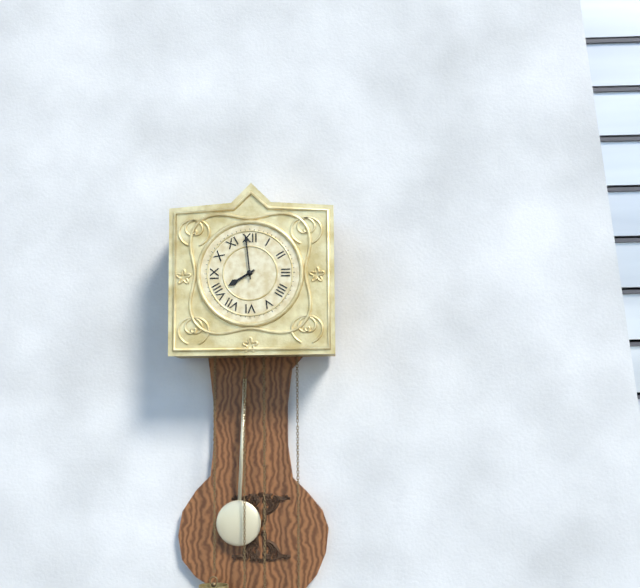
h=7 m=59
